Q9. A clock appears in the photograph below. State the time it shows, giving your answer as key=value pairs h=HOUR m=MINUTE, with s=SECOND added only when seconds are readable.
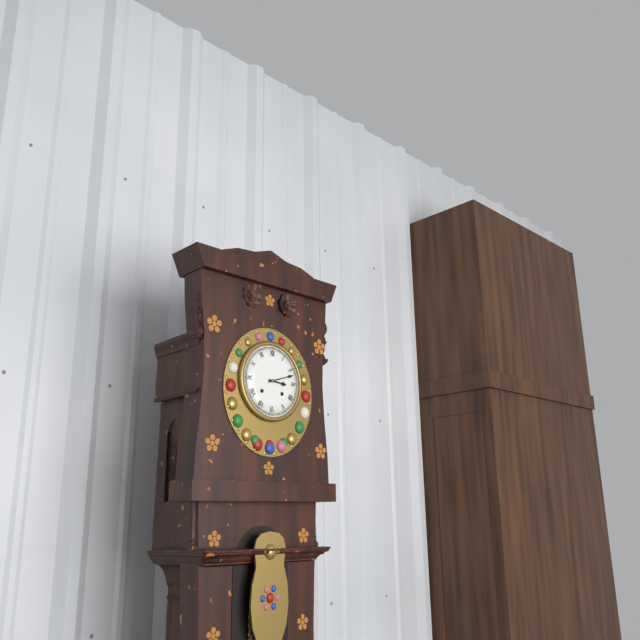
h=3 m=12
